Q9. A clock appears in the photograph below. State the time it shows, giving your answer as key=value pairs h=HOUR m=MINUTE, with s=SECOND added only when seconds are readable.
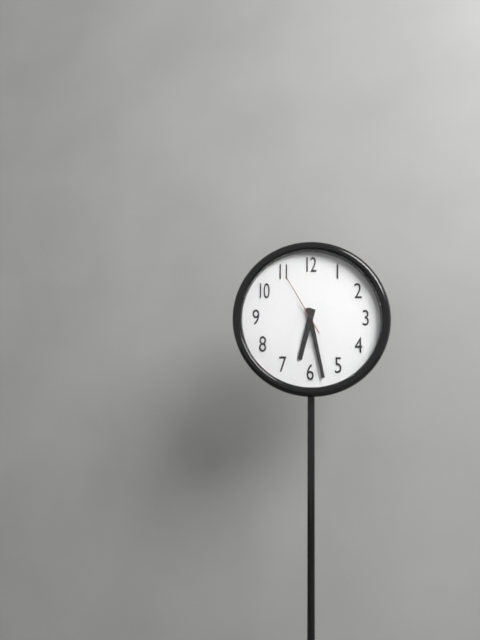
h=6 m=28 s=55
